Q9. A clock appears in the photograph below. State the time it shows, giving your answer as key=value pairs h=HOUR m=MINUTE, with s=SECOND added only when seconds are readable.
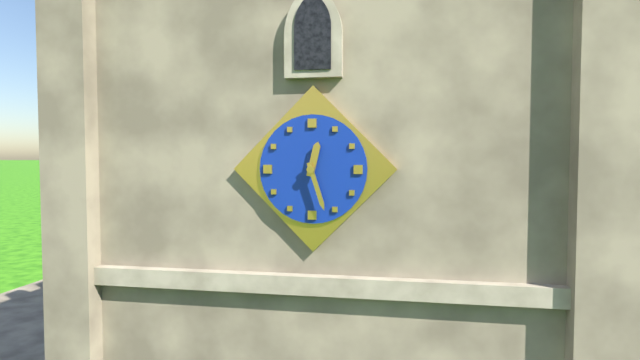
h=12 m=27
